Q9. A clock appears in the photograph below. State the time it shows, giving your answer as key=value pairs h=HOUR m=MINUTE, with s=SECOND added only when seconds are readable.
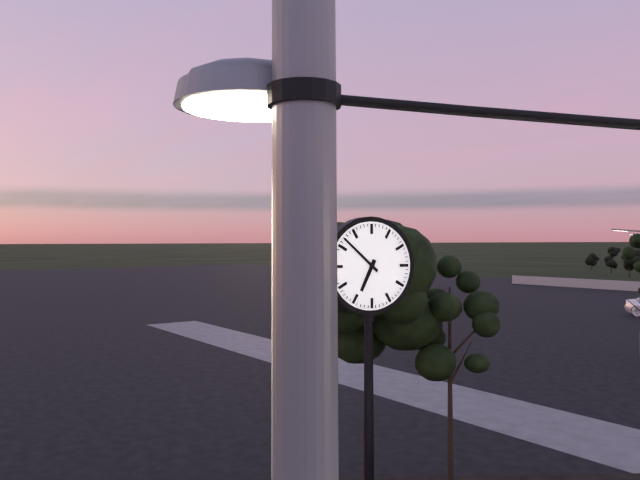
h=6 m=52
